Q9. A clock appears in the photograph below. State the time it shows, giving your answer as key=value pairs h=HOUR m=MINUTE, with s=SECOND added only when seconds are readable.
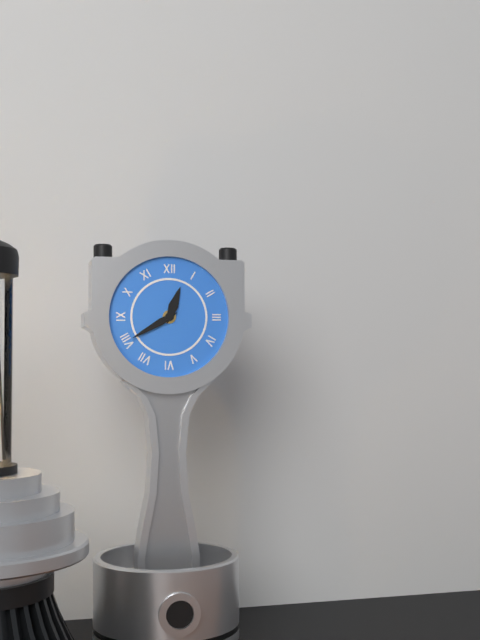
h=12 m=40
